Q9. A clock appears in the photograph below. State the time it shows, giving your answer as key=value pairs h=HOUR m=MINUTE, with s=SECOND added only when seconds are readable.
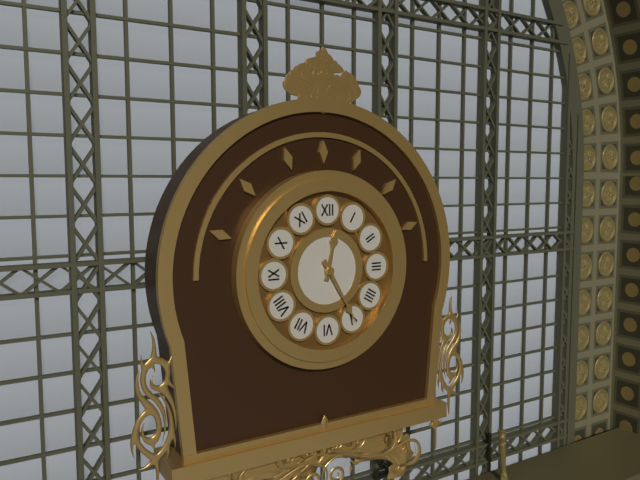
h=12 m=25
